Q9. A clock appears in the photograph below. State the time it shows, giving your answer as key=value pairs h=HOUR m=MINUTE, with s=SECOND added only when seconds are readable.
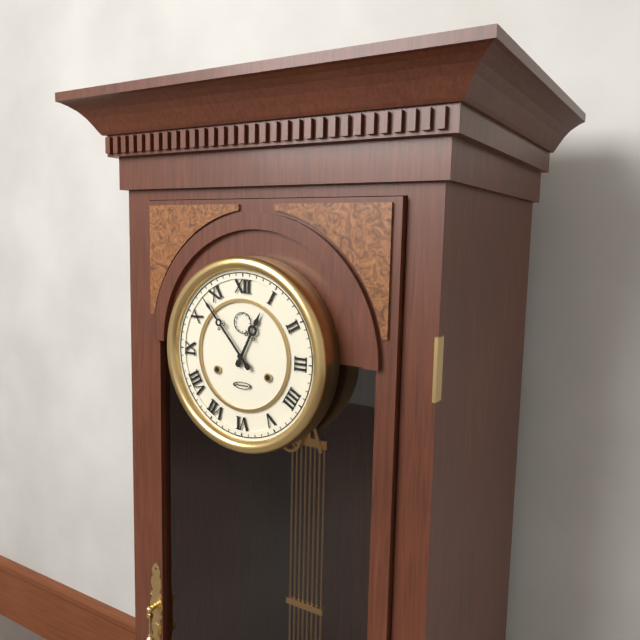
h=12 m=53
